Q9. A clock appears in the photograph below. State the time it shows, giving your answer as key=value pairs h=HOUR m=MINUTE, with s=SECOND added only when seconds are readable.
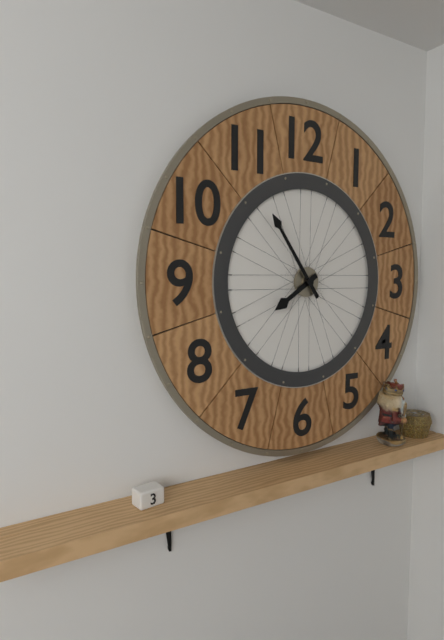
h=7 m=54
